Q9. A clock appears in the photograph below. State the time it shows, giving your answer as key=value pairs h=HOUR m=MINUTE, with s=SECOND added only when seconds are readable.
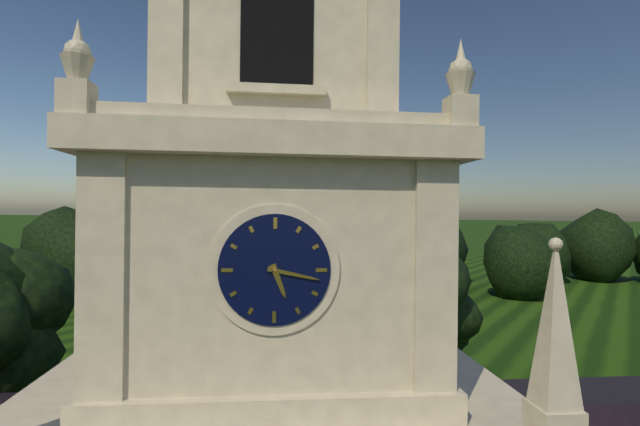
h=5 m=17
